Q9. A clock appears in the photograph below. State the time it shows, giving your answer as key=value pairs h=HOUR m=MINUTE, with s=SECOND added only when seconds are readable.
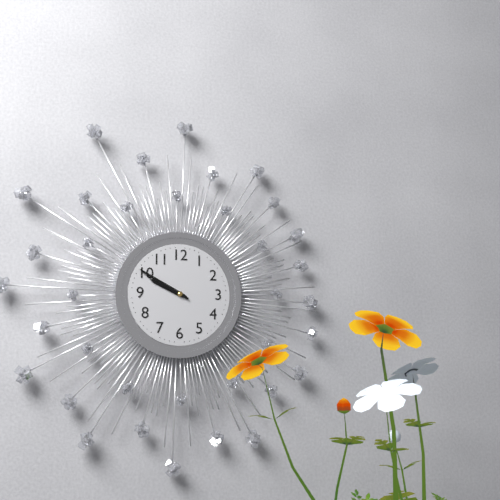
h=9 m=50
